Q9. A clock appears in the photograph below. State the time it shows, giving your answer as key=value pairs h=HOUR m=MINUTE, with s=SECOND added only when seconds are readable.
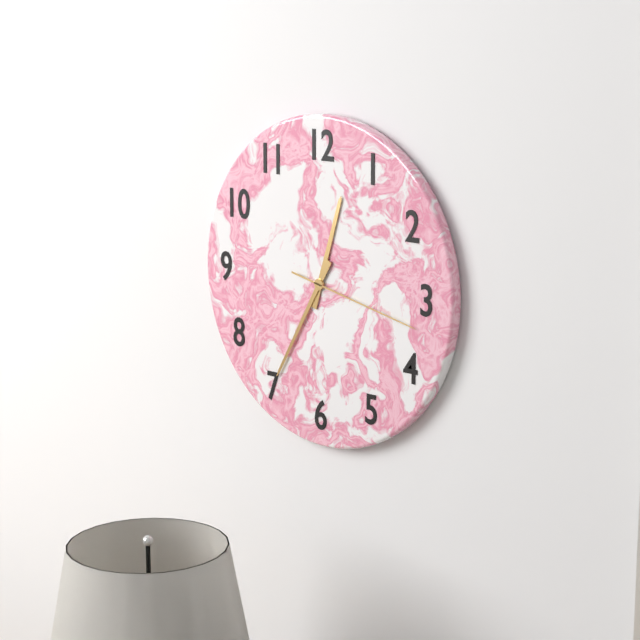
h=12 m=35 s=17
